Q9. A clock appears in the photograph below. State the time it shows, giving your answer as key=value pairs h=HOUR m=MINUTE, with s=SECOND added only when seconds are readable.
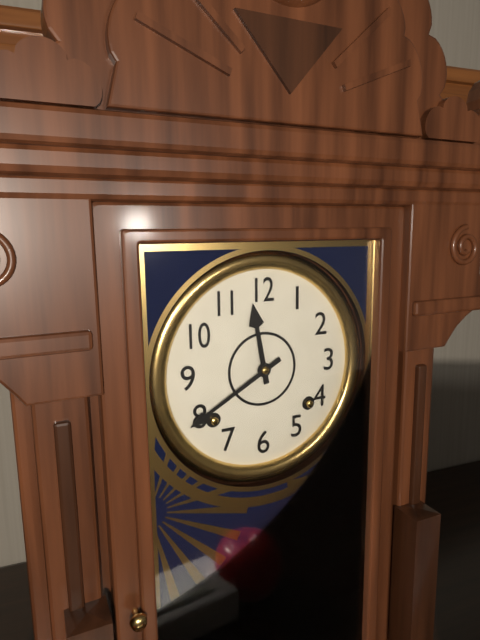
h=11 m=40
